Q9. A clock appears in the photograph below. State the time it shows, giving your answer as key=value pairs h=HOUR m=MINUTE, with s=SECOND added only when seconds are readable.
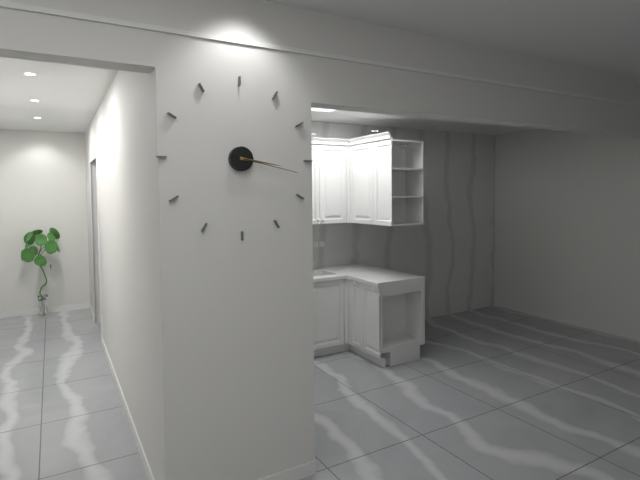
h=3 m=17
